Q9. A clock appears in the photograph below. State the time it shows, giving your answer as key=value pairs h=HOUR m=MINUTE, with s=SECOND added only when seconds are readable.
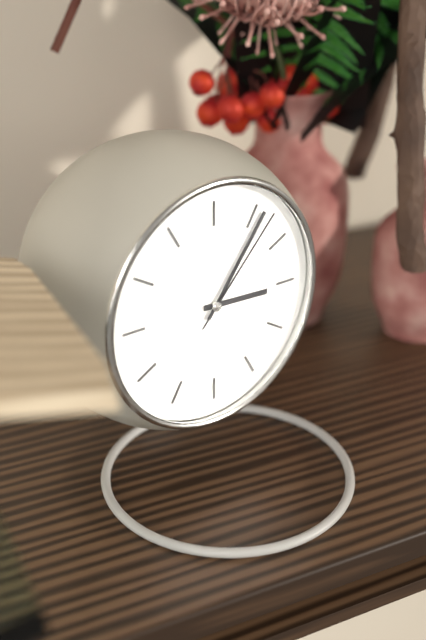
h=3 m=6 s=7
